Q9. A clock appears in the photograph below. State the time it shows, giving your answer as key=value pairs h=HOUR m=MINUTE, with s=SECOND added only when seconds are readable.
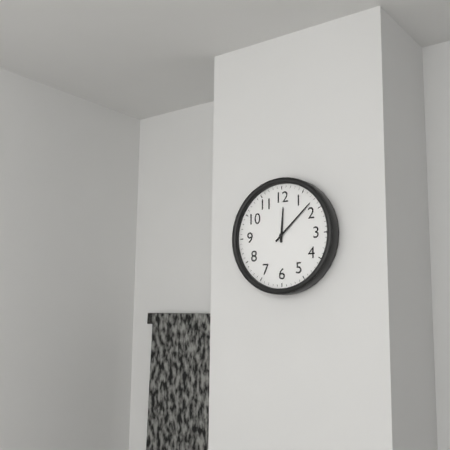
h=12 m=8
